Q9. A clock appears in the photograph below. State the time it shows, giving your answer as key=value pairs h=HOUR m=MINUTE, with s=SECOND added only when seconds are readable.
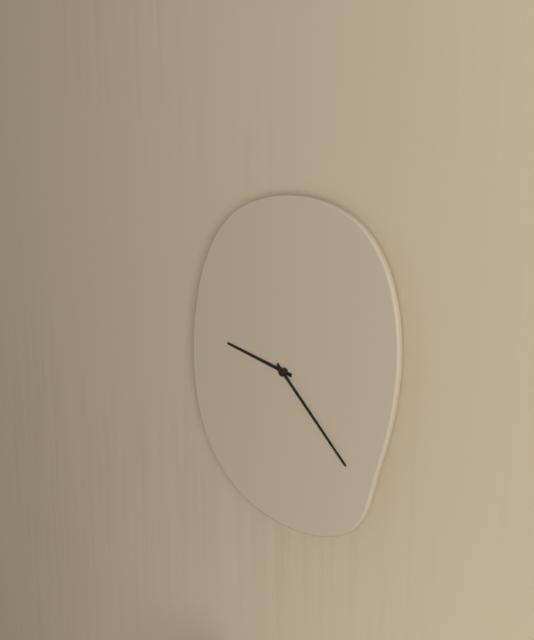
h=9 m=22
